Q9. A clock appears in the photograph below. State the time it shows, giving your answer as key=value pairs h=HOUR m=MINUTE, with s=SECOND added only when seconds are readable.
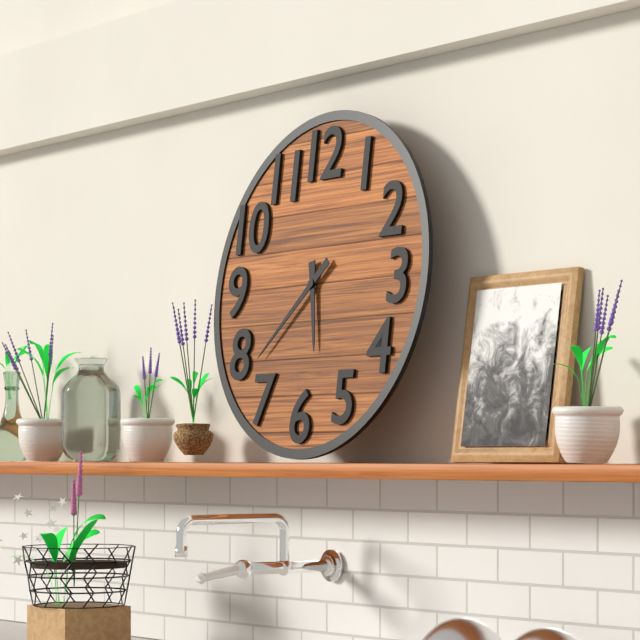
h=5 m=38
